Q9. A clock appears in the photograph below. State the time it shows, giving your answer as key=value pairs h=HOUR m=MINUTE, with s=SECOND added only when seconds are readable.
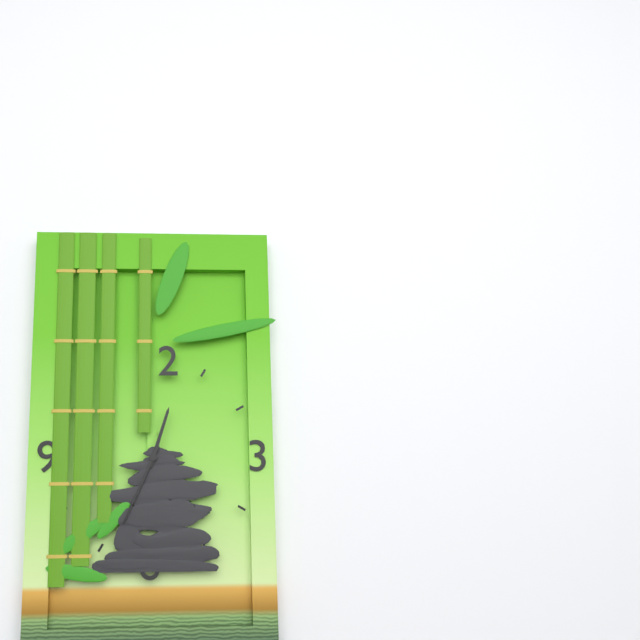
h=12 m=34
